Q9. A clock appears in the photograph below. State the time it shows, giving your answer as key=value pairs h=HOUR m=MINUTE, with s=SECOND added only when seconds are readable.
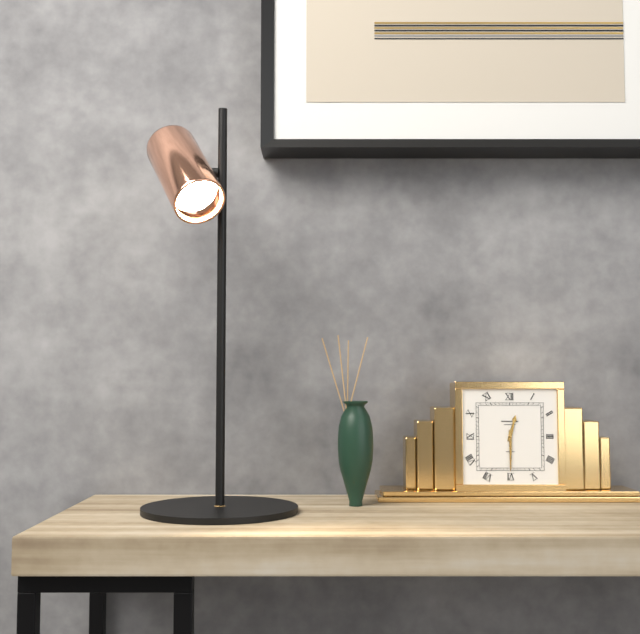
h=12 m=30
